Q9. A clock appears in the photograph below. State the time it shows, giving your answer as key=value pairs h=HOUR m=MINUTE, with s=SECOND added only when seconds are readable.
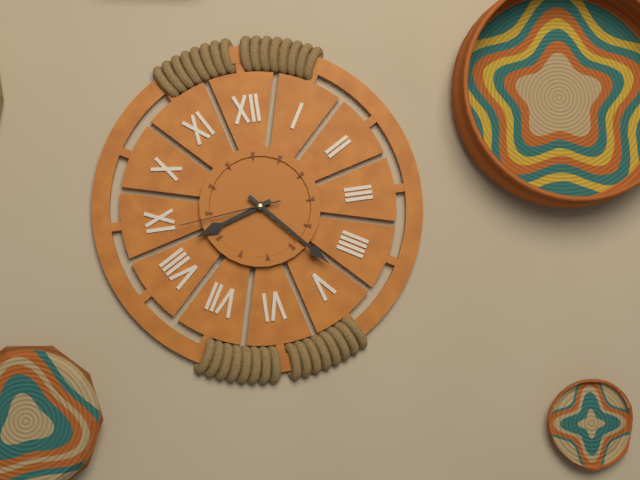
h=8 m=23 s=44
